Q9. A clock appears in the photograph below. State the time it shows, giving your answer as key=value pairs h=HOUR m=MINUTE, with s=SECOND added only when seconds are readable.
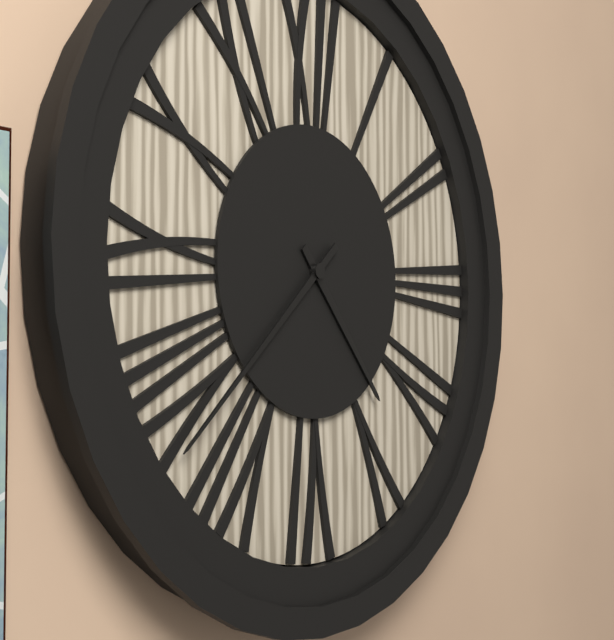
h=4 m=38
